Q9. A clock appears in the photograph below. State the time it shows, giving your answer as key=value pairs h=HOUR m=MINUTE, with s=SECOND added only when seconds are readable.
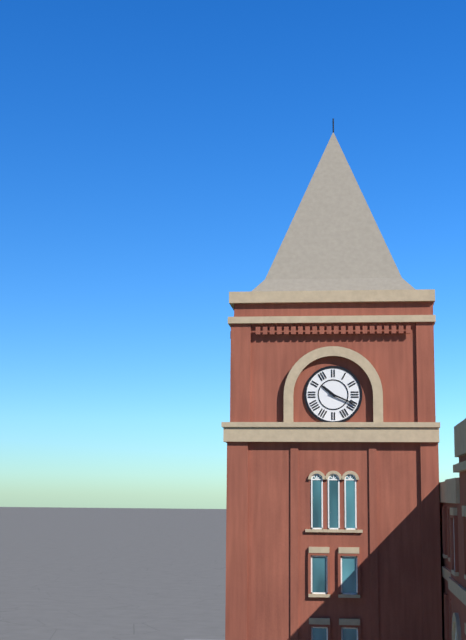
h=10 m=19
